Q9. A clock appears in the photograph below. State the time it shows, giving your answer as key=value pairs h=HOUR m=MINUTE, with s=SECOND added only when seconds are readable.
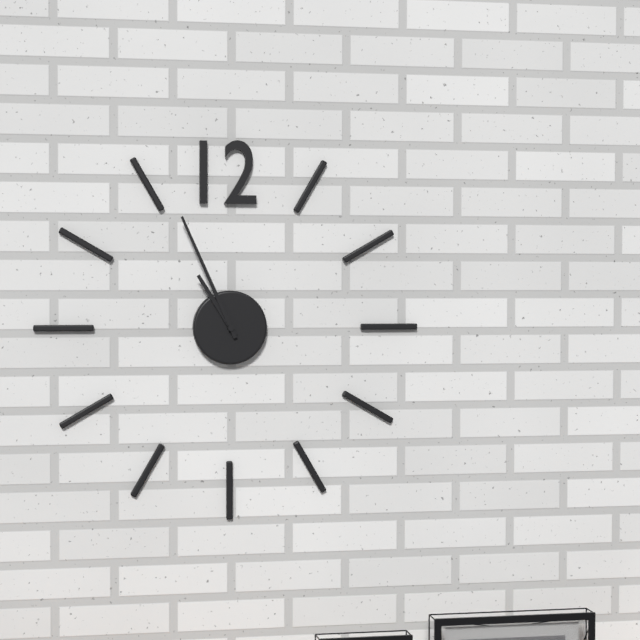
h=10 m=56
